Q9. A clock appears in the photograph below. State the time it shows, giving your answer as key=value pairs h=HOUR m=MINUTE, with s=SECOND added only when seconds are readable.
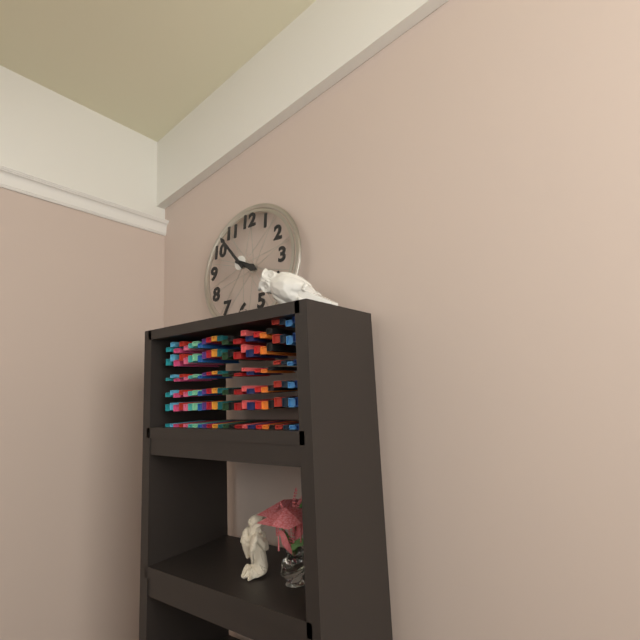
h=3 m=53
